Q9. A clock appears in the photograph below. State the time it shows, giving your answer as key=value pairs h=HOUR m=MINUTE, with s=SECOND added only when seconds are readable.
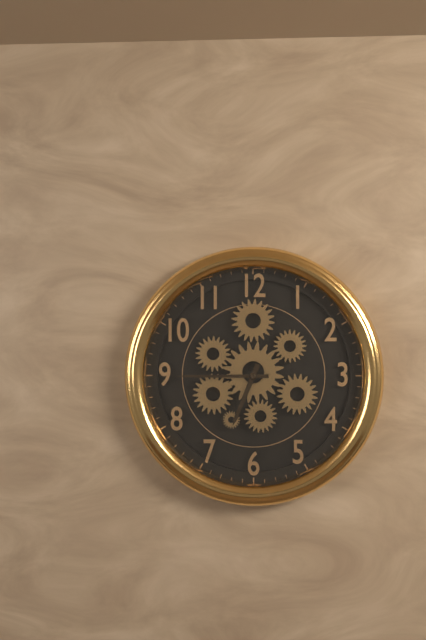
h=6 m=45
